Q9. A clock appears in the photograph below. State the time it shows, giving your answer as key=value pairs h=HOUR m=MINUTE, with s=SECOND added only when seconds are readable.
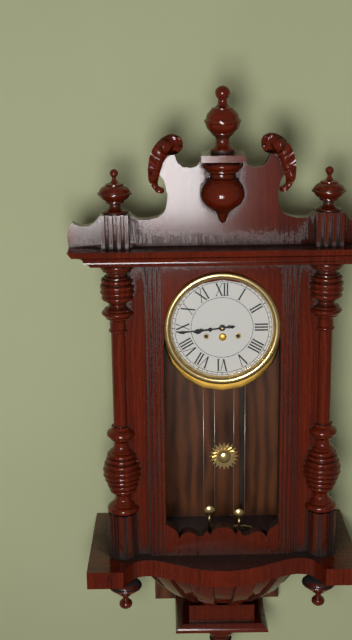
h=8 m=44
